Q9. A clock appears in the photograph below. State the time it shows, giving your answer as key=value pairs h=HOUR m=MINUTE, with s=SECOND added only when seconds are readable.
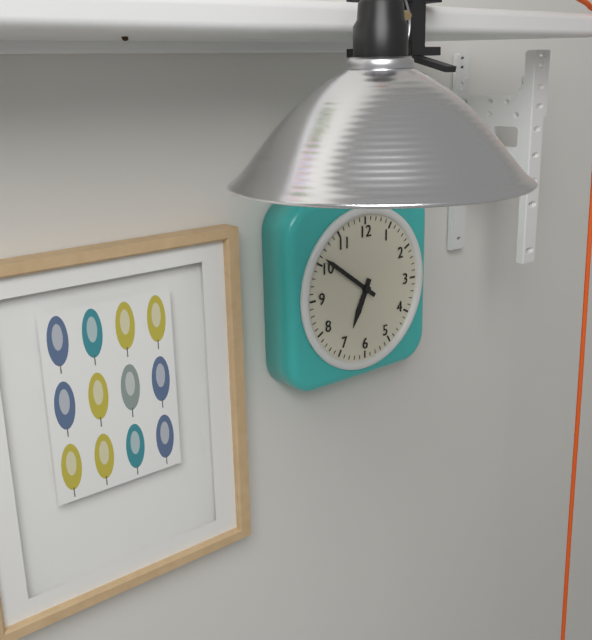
h=6 m=51
